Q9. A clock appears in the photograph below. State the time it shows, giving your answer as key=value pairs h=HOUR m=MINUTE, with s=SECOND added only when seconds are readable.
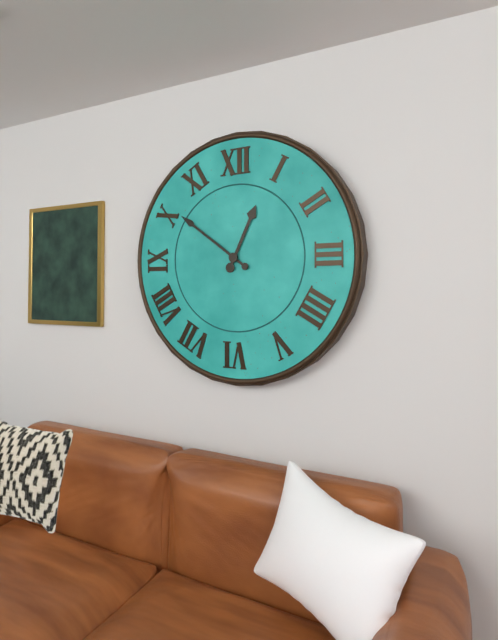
h=12 m=51
